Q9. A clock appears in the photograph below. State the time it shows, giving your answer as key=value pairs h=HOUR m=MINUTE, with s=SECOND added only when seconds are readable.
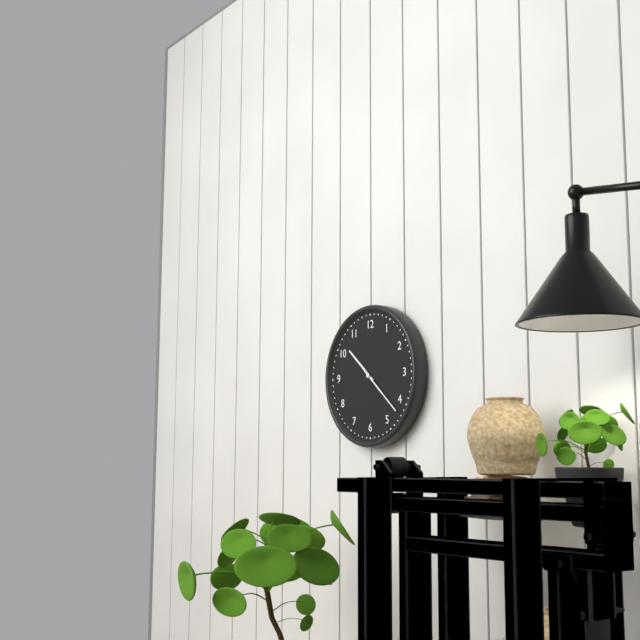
h=10 m=22
